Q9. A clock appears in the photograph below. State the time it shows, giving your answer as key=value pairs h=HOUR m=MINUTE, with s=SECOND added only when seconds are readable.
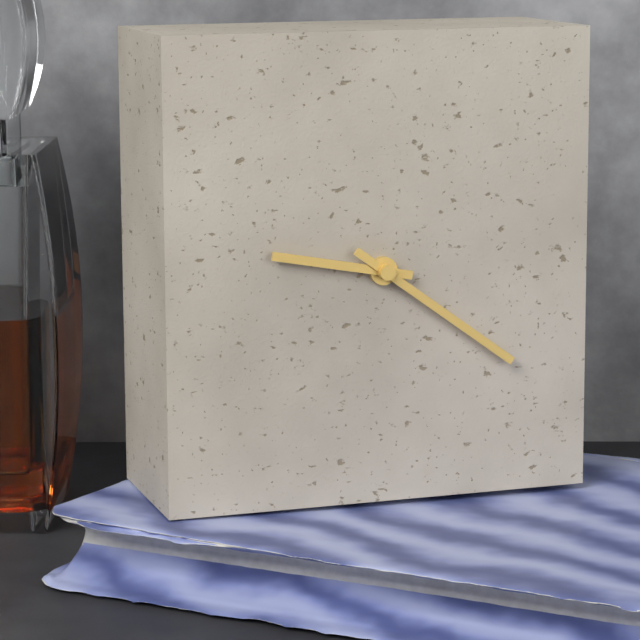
h=9 m=21
